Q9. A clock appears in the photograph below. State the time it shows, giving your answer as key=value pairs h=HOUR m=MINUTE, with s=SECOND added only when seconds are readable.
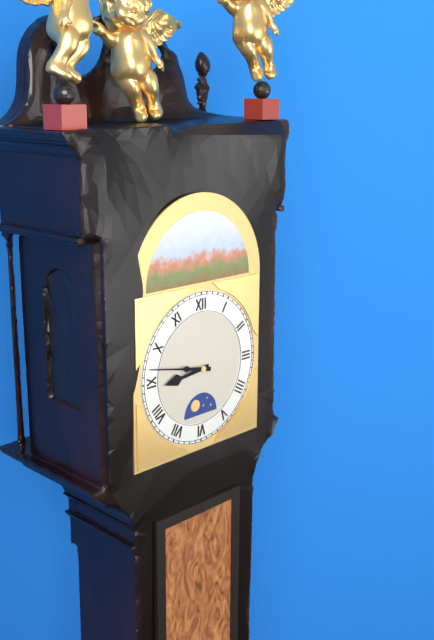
h=8 m=47
